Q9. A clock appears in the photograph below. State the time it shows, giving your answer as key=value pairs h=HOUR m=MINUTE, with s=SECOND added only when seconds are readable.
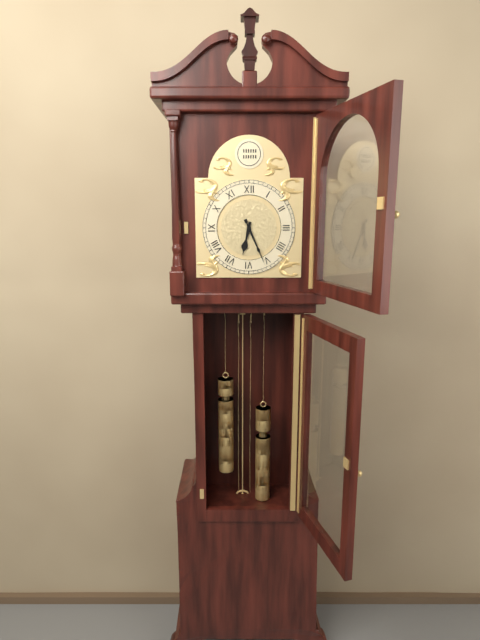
h=6 m=26
